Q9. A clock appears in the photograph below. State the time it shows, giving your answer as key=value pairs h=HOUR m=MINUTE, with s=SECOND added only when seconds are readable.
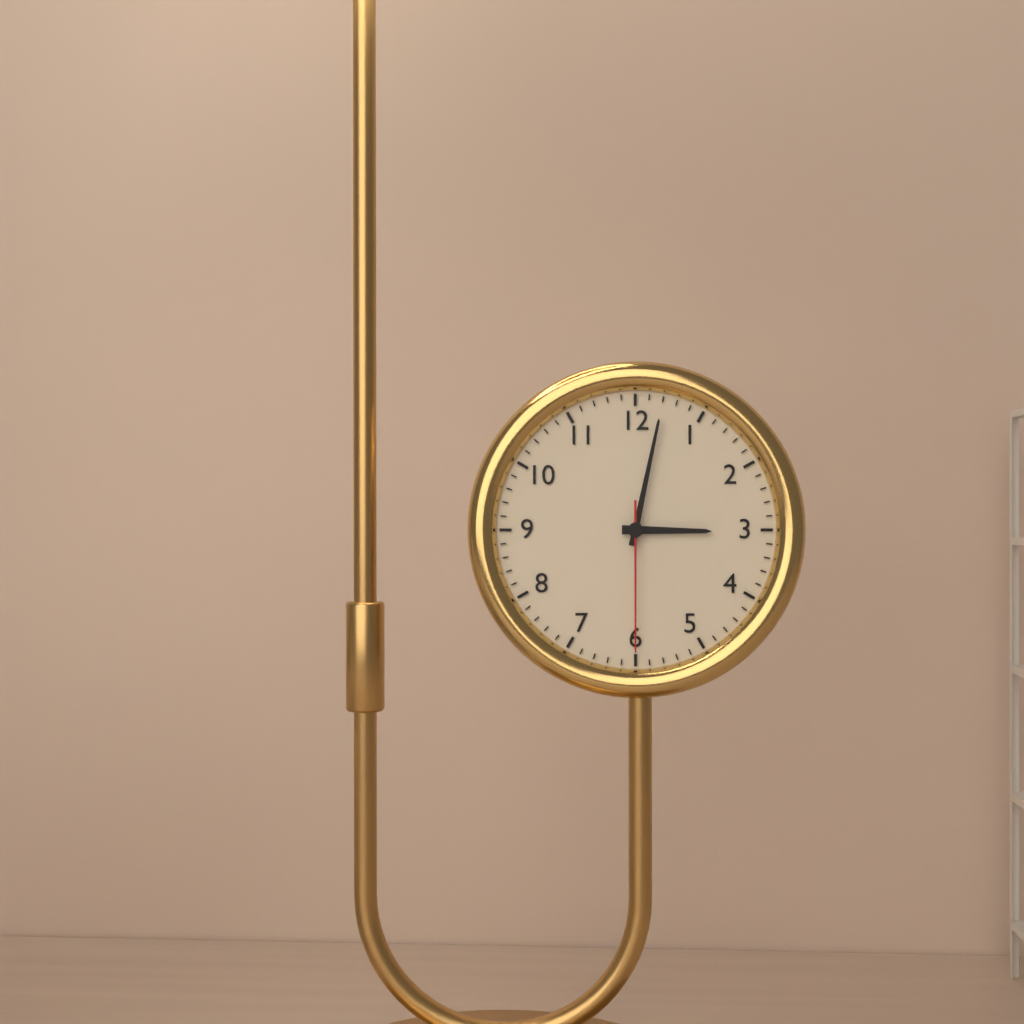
h=3 m=2 s=30
